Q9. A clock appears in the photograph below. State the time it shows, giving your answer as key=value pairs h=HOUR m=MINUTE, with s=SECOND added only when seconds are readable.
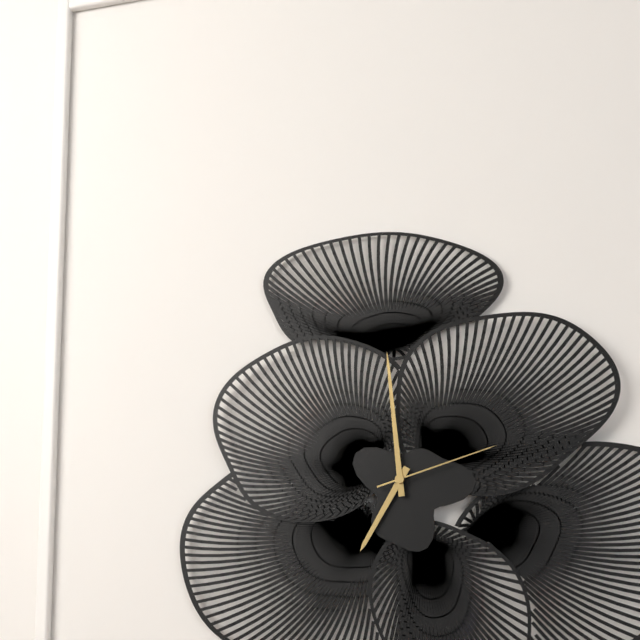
h=6 m=59 s=12
